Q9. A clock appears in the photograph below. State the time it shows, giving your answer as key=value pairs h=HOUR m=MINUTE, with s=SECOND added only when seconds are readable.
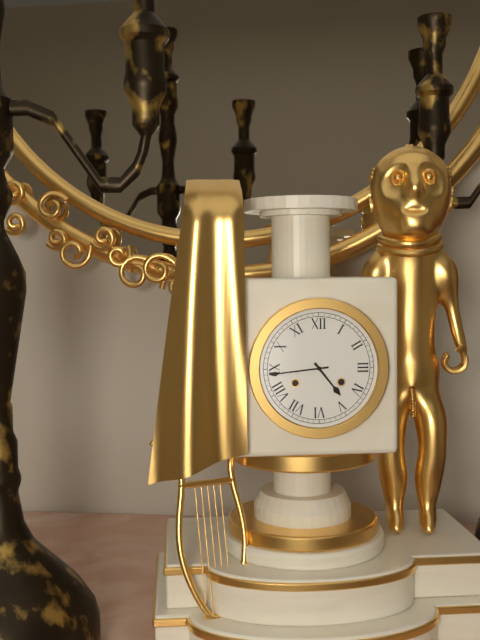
h=4 m=44
